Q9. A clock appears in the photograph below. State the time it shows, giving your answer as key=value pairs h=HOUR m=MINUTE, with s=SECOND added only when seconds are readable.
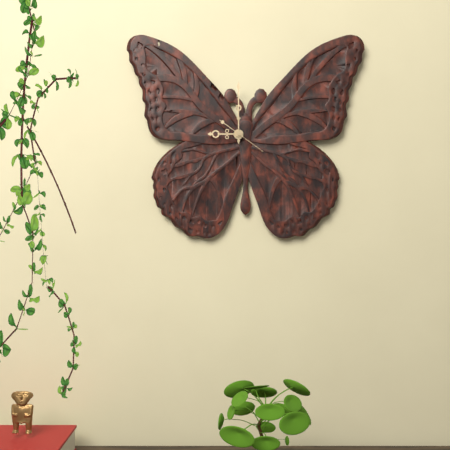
h=9 m=0
